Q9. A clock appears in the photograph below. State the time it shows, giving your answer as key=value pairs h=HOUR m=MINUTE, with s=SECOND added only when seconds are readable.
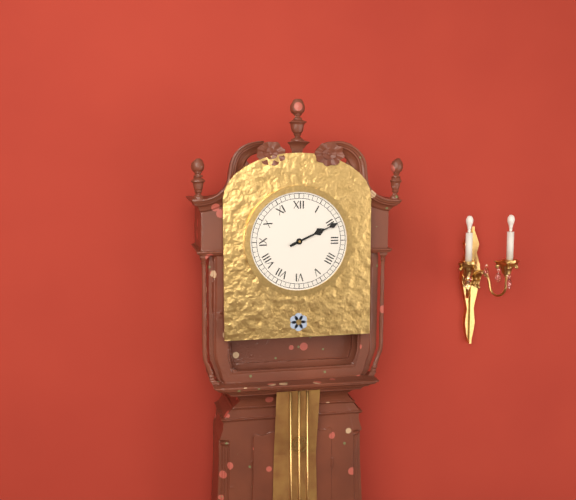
h=2 m=11
